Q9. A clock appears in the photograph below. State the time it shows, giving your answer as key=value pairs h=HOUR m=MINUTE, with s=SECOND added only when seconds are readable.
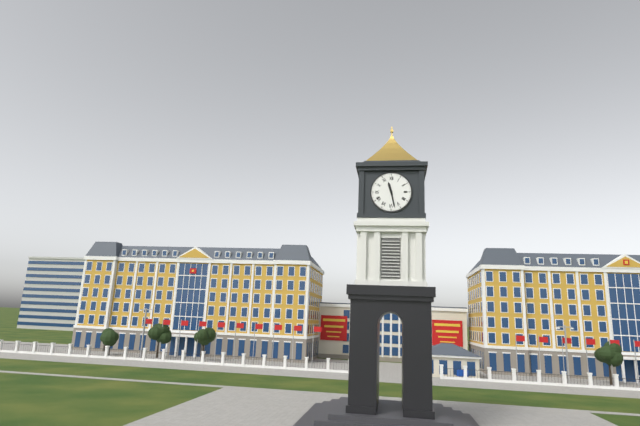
h=11 m=28
